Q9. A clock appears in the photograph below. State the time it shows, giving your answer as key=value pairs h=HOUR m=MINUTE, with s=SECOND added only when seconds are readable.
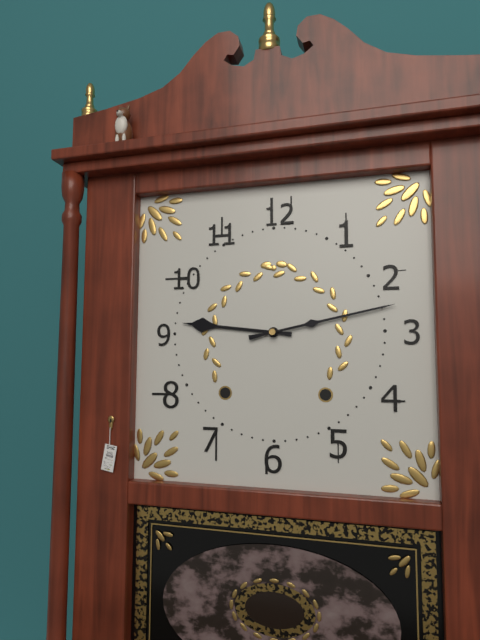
h=9 m=13
